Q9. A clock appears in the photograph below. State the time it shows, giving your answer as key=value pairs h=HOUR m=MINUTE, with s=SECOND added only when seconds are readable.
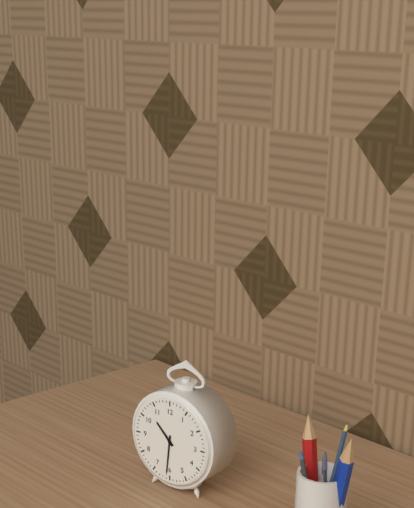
h=10 m=31
